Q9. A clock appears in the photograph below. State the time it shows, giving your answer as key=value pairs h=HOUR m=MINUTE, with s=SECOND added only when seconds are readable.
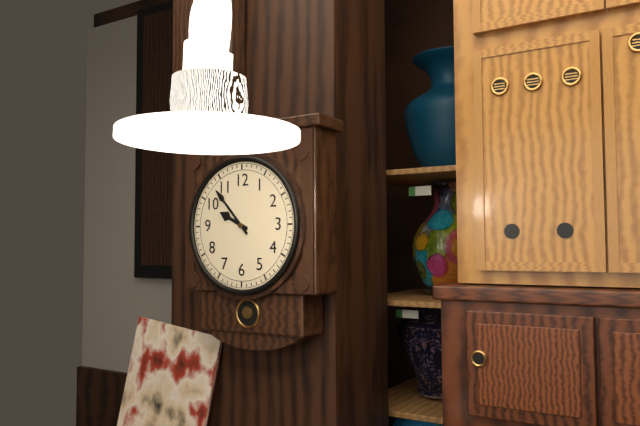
h=9 m=53
